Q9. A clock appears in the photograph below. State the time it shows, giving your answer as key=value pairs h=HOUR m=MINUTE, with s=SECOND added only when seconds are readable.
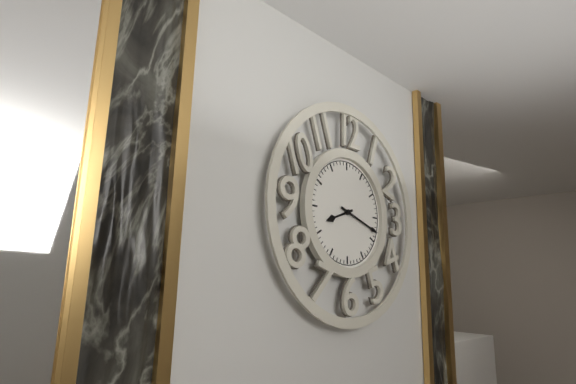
h=8 m=18
